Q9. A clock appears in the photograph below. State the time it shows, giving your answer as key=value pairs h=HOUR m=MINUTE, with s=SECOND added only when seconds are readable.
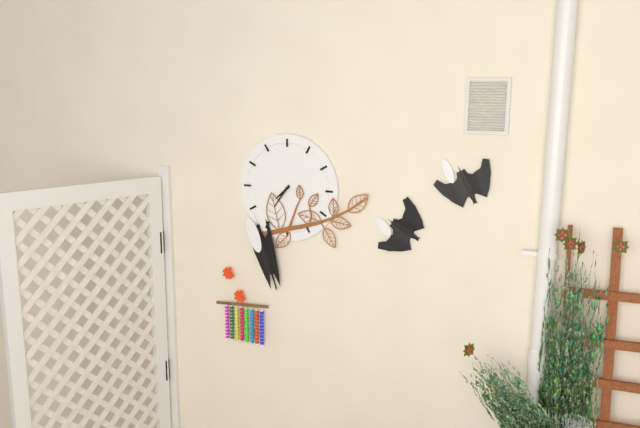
h=7 m=36
